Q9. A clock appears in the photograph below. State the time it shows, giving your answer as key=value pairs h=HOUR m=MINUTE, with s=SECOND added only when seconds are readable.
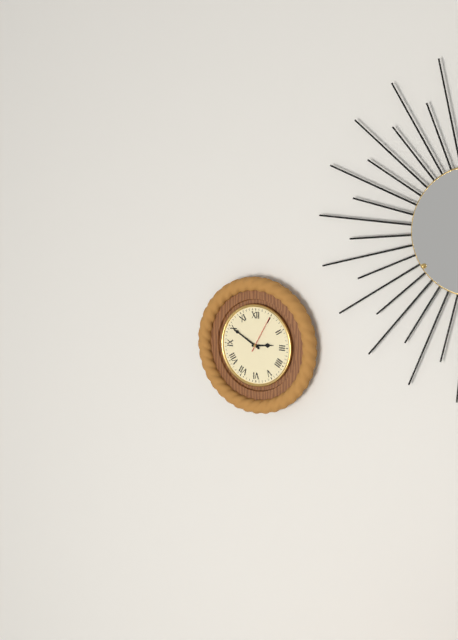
h=2 m=50
